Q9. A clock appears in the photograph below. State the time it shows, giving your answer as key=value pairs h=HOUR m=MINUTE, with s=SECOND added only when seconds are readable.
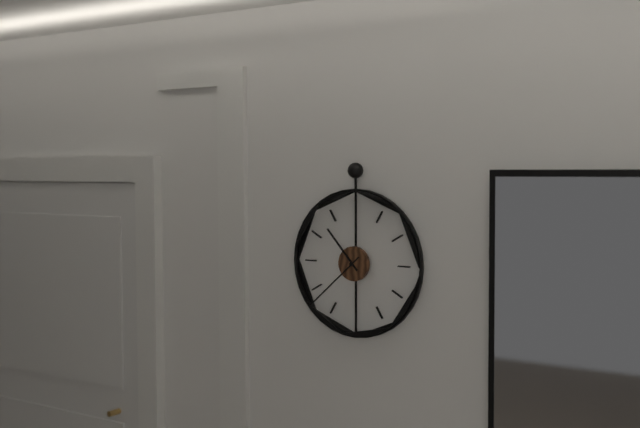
h=10 m=38
